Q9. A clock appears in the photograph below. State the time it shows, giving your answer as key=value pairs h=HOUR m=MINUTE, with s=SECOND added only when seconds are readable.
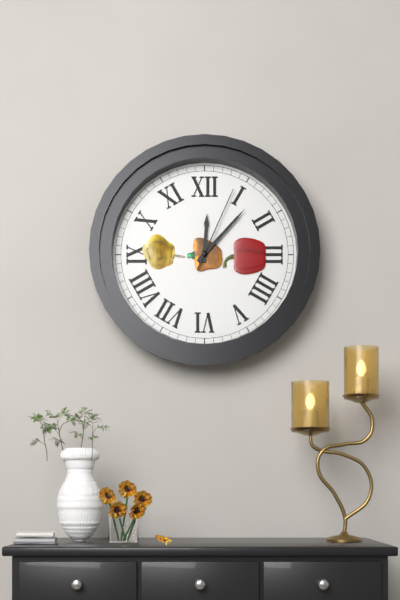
h=12 m=7 s=4
